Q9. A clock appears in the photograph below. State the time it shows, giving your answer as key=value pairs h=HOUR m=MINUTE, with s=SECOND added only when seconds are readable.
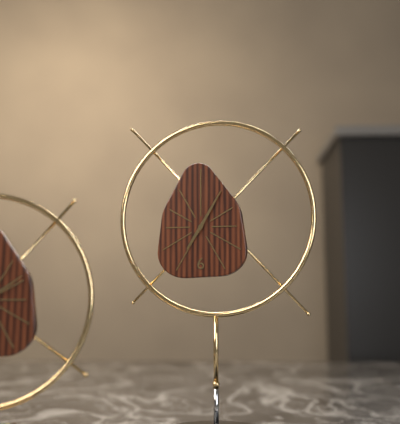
h=7 m=5
